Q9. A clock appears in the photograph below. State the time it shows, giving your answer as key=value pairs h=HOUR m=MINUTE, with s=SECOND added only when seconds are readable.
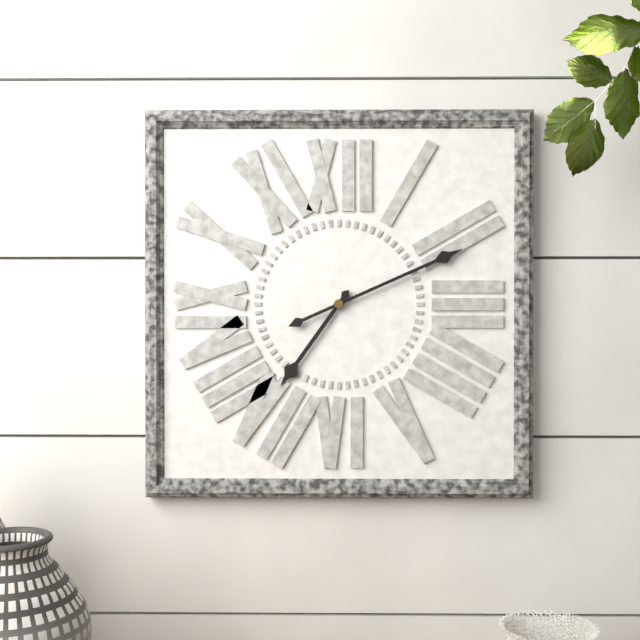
h=7 m=11
